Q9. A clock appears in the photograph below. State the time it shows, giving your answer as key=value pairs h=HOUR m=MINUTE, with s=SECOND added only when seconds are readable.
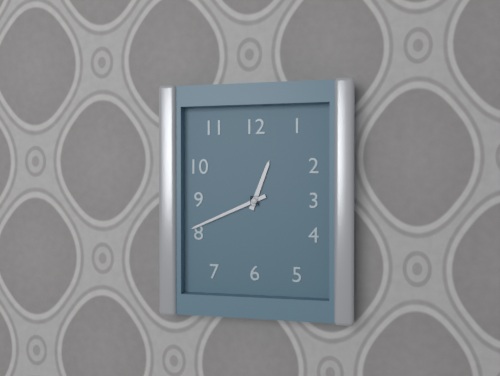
h=12 m=41
